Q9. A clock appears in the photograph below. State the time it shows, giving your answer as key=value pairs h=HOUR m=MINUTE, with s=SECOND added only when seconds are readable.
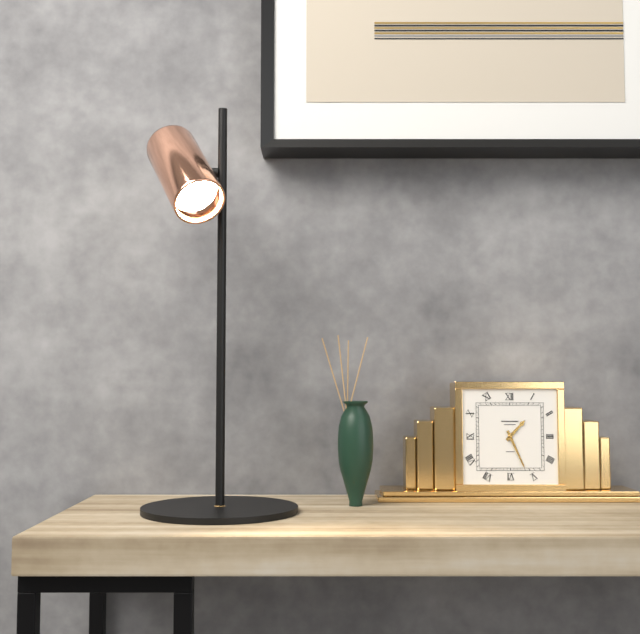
h=1 m=26
